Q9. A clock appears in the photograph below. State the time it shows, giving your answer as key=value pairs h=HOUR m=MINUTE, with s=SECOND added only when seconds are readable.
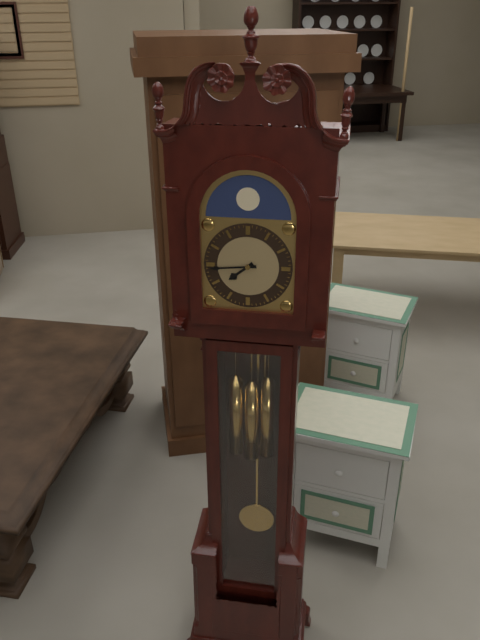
h=7 m=44
